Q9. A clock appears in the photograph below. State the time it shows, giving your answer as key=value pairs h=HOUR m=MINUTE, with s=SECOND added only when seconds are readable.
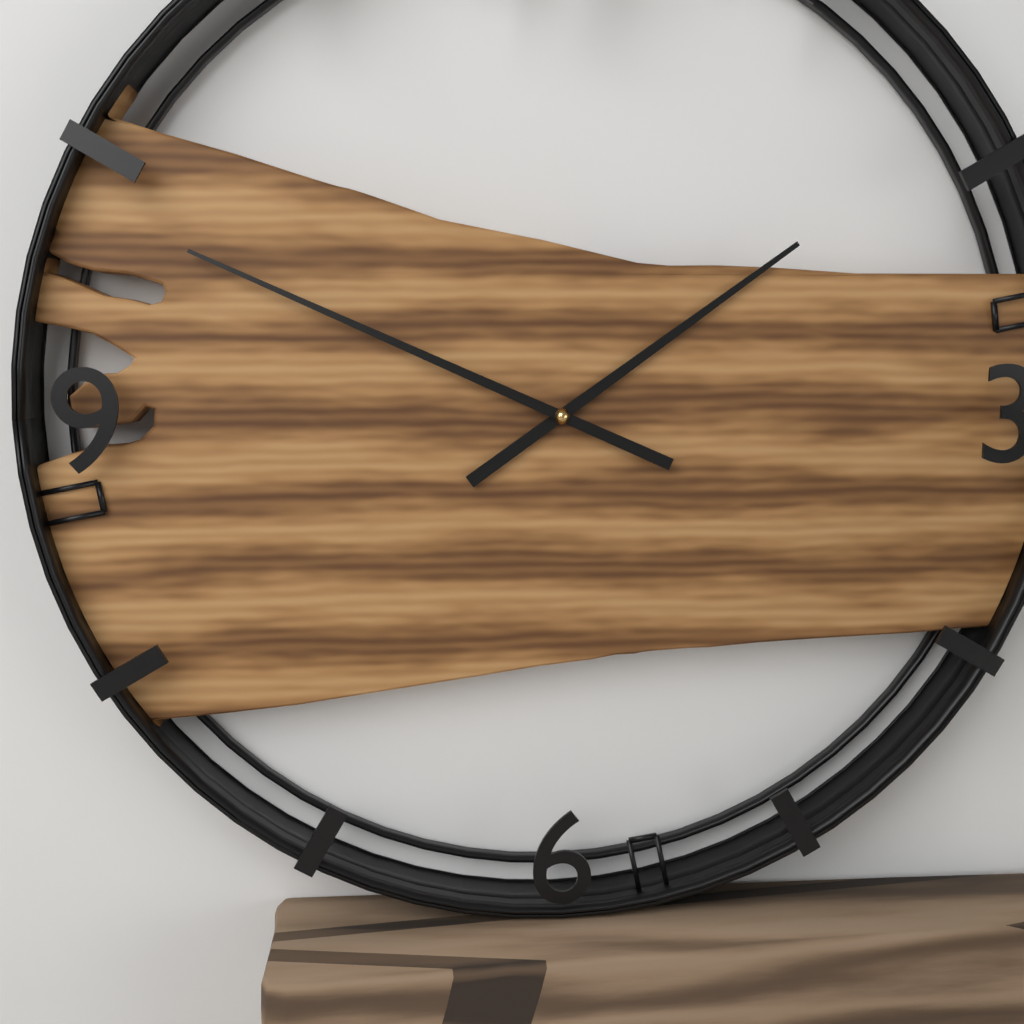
h=1 m=49
